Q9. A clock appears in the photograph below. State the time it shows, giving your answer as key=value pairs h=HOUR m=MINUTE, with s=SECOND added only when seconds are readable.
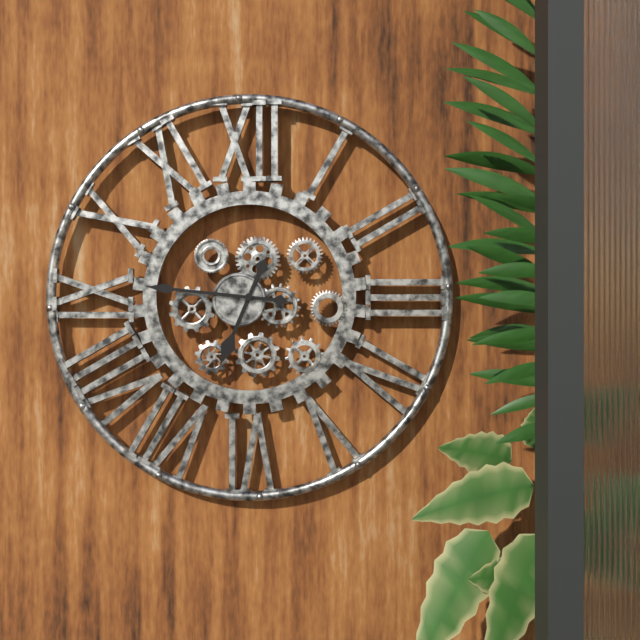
h=6 m=46
